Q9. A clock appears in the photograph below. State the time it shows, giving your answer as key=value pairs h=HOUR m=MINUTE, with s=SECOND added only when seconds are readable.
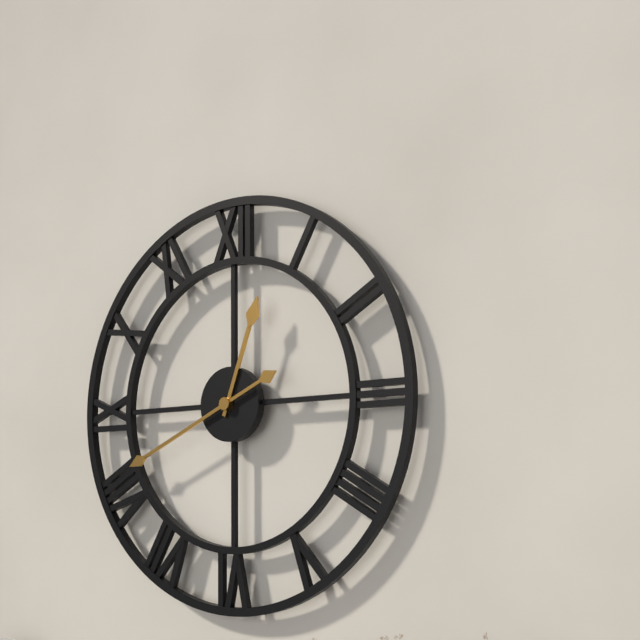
h=12 m=41
